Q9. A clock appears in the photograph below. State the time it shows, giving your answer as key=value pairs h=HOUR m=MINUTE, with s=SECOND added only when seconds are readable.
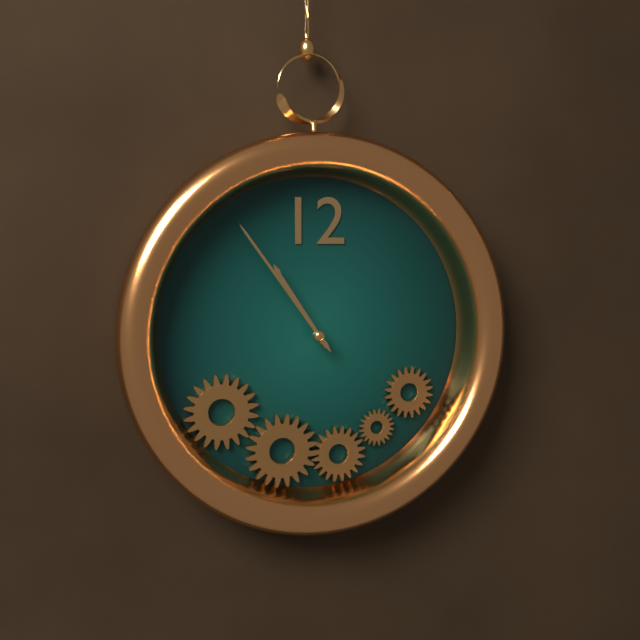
h=10 m=54
